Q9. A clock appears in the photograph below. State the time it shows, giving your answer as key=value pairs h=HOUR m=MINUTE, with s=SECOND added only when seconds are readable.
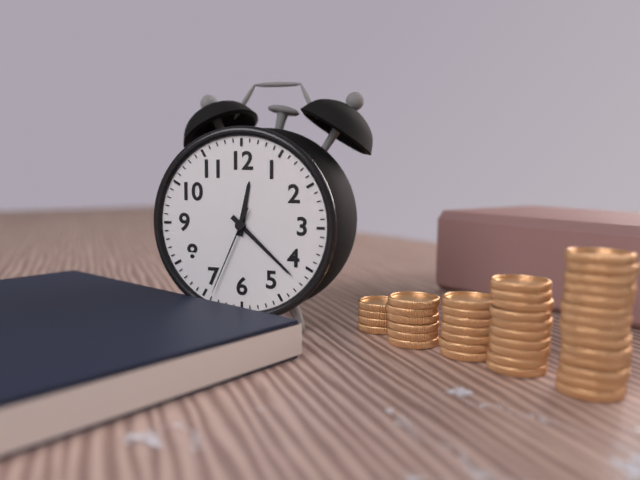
h=12 m=22 s=34
